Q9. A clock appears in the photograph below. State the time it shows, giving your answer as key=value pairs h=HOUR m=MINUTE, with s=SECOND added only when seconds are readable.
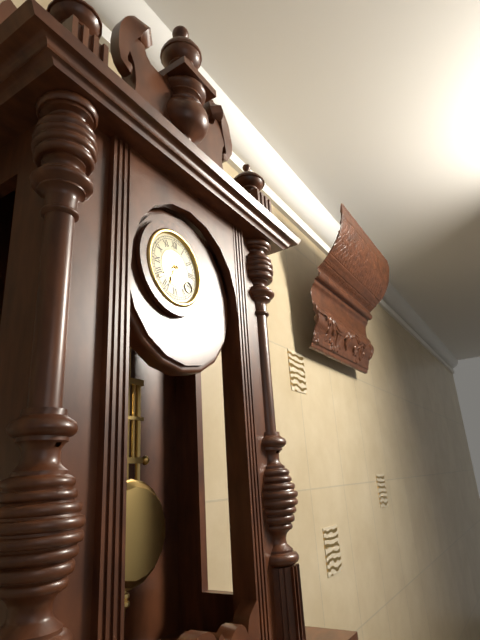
h=6 m=39
